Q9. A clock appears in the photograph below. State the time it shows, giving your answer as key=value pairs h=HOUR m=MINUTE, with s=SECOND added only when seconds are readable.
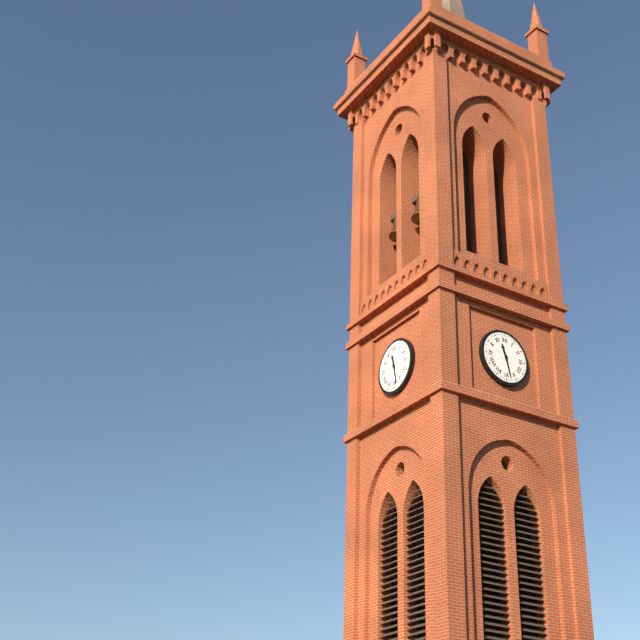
h=11 m=28
